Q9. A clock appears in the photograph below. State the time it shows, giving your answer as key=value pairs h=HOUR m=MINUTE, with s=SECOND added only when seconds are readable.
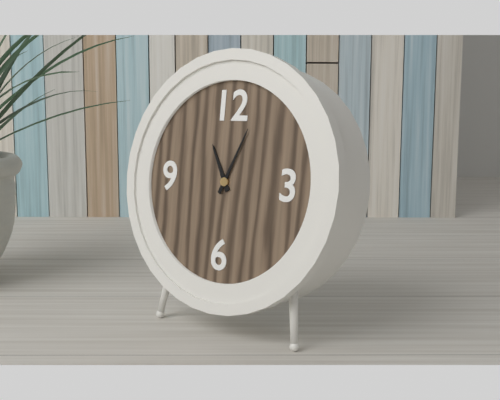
h=11 m=4
